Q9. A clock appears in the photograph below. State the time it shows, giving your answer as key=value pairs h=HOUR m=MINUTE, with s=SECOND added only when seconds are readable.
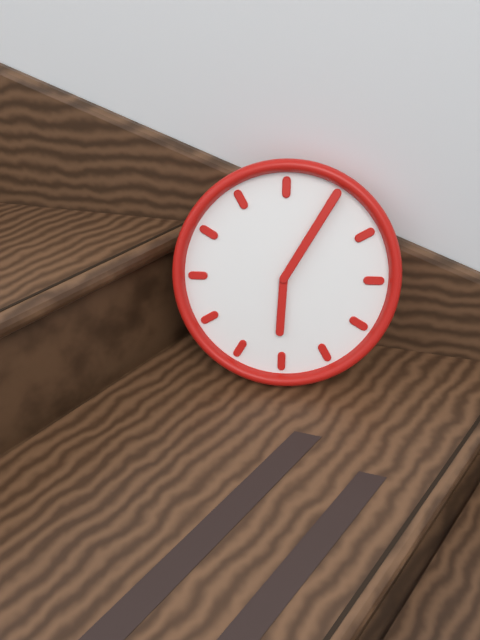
h=6 m=5
